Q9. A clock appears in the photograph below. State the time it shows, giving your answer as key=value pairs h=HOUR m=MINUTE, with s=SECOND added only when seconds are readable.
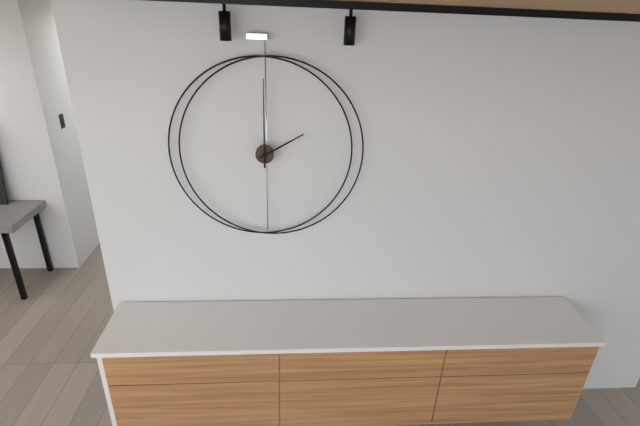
h=2 m=0
